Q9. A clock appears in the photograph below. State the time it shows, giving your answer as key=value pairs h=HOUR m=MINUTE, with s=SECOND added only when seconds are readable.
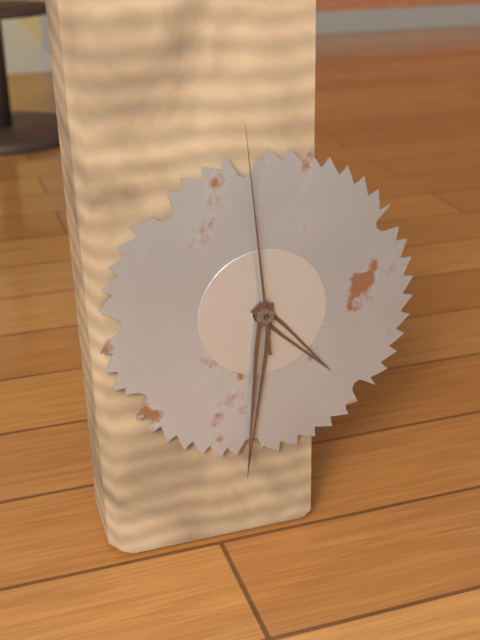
h=4 m=31 s=59
